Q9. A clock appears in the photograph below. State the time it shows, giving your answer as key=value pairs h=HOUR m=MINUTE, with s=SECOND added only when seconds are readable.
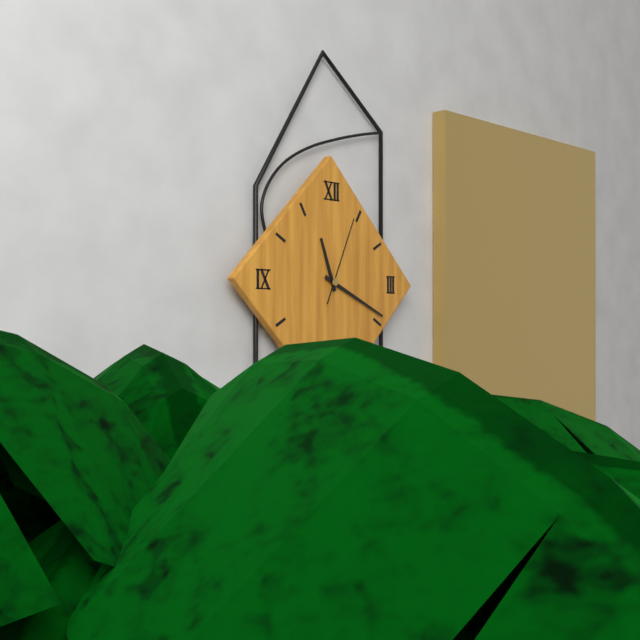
h=11 m=19 s=4
